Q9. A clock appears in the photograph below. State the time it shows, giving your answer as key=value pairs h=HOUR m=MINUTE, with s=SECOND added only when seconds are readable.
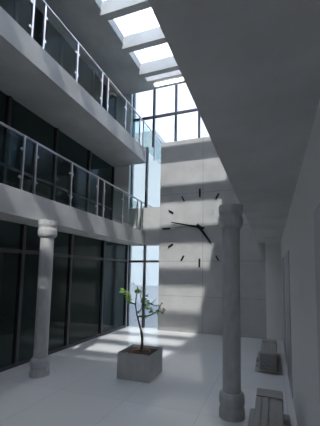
h=4 m=47
